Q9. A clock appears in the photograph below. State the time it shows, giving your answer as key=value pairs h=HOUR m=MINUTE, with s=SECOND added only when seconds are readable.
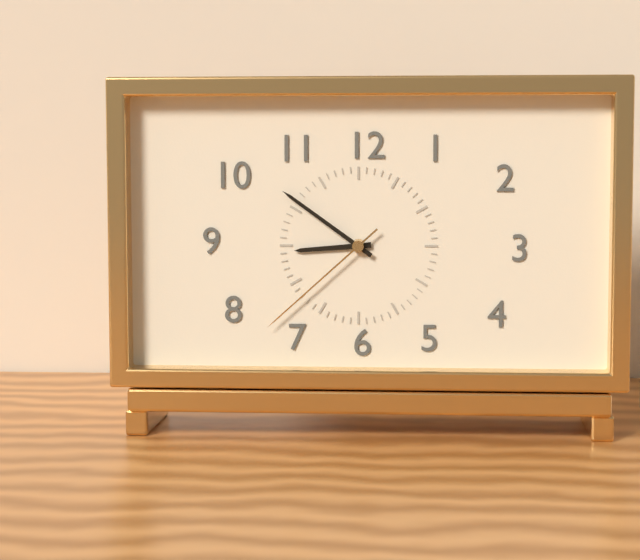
h=8 m=51 s=38
